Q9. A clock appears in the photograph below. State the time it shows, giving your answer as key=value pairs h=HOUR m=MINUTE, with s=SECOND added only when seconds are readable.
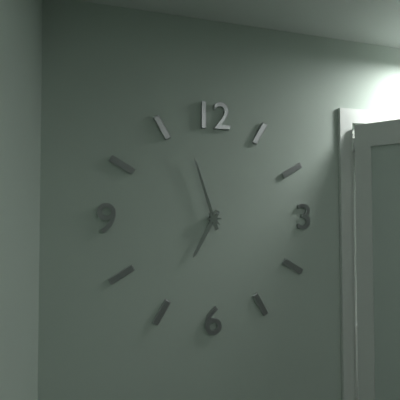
h=6 m=57
